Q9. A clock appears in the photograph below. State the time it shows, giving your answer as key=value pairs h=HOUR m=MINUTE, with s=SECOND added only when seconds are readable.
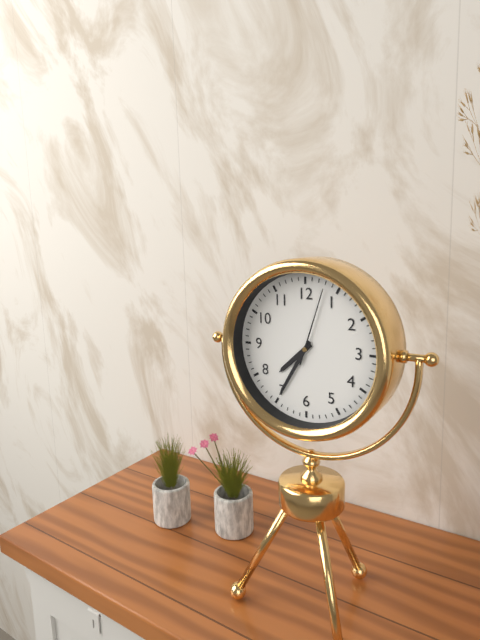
h=7 m=35 s=3
